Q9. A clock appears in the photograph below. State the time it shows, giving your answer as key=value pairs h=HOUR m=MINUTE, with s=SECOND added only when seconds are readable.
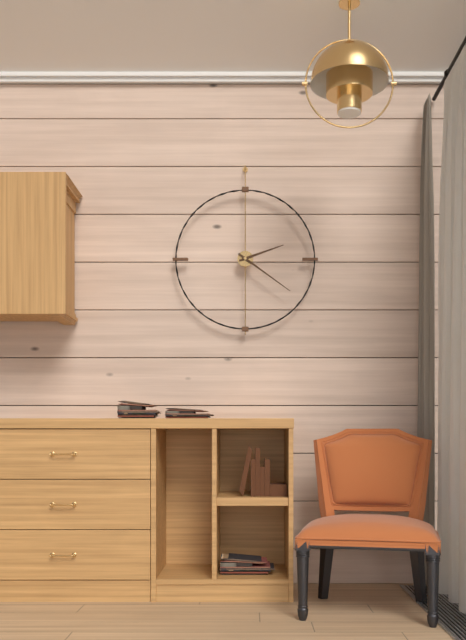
h=2 m=21
